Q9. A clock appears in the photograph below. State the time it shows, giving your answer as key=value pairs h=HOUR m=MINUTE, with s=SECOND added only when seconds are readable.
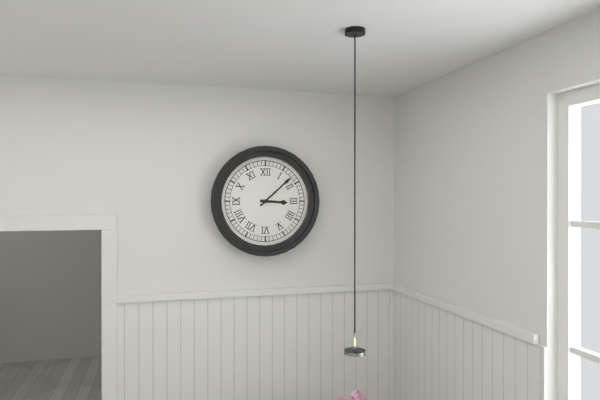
h=3 m=8
